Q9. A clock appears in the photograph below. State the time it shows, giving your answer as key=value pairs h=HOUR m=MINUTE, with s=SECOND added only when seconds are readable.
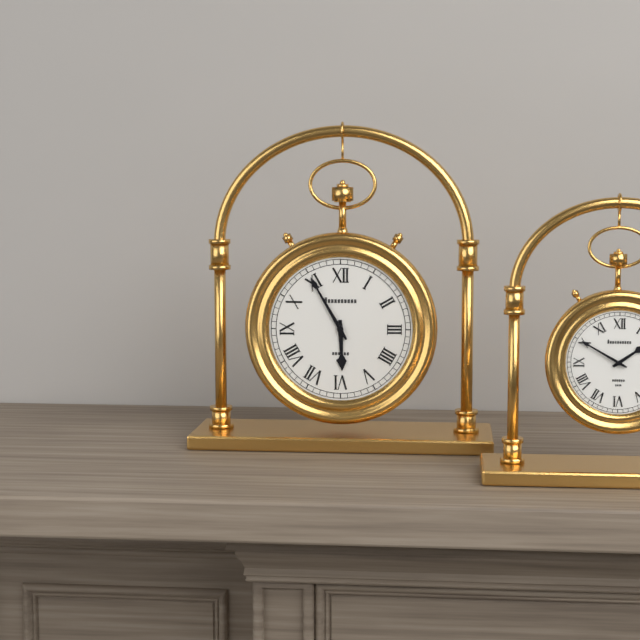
h=5 m=55
